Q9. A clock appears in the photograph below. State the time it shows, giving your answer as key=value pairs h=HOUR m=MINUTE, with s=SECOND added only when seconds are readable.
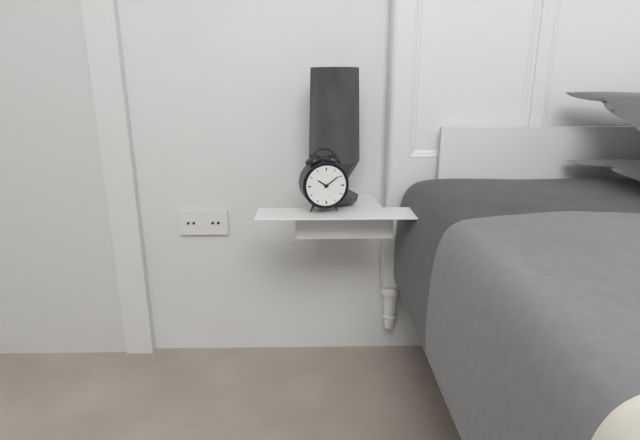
h=10 m=9
